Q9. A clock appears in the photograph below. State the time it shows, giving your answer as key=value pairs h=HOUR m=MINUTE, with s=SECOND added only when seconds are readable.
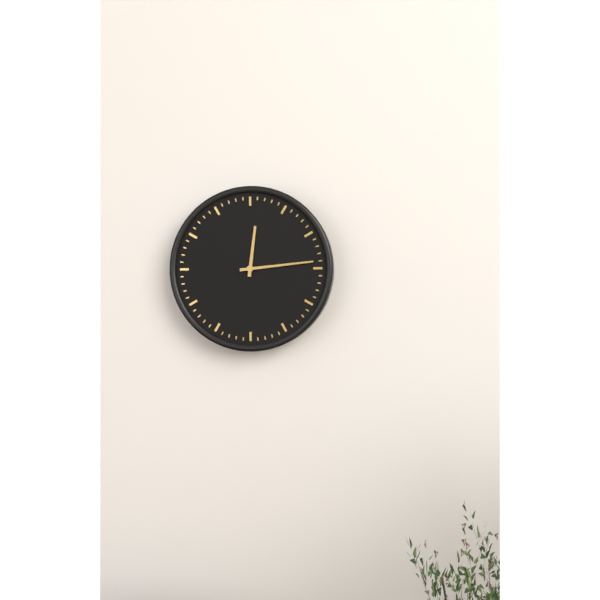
h=12 m=14
